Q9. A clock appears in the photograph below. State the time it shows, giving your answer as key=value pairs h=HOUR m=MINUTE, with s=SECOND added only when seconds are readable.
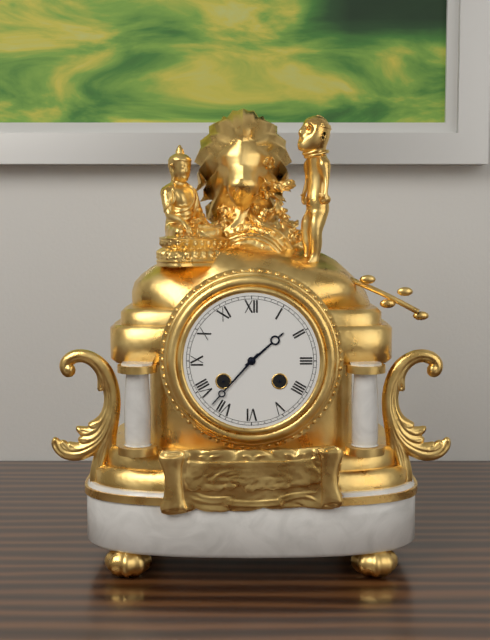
h=1 m=37
